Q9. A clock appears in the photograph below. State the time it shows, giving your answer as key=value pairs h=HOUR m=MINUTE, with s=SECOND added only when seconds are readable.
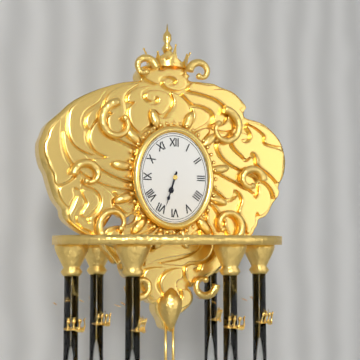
h=6 m=33
